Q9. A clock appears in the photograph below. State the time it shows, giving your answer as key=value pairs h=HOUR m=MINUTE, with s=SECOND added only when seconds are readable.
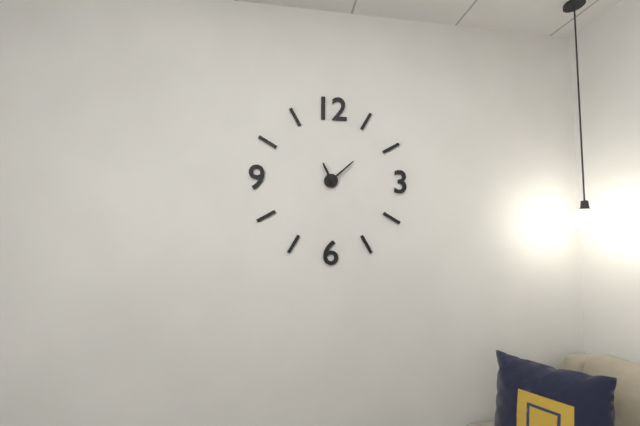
h=11 m=8
